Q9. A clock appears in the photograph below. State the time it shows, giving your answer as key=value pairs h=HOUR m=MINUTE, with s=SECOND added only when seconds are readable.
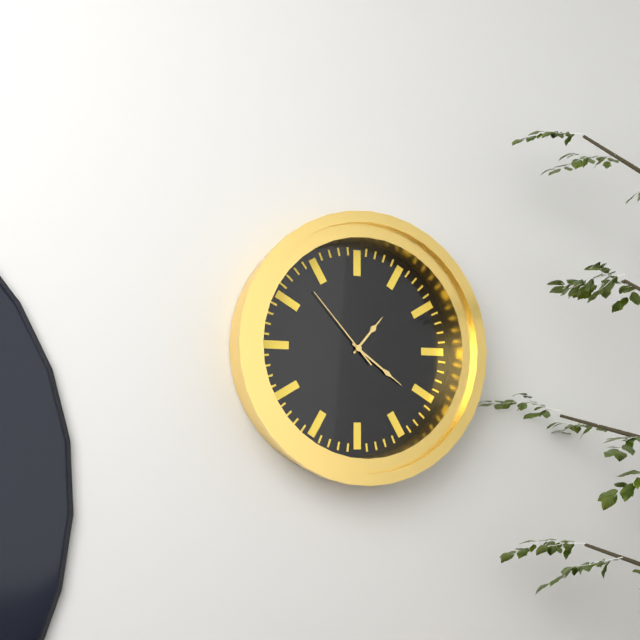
h=1 m=21 s=53
